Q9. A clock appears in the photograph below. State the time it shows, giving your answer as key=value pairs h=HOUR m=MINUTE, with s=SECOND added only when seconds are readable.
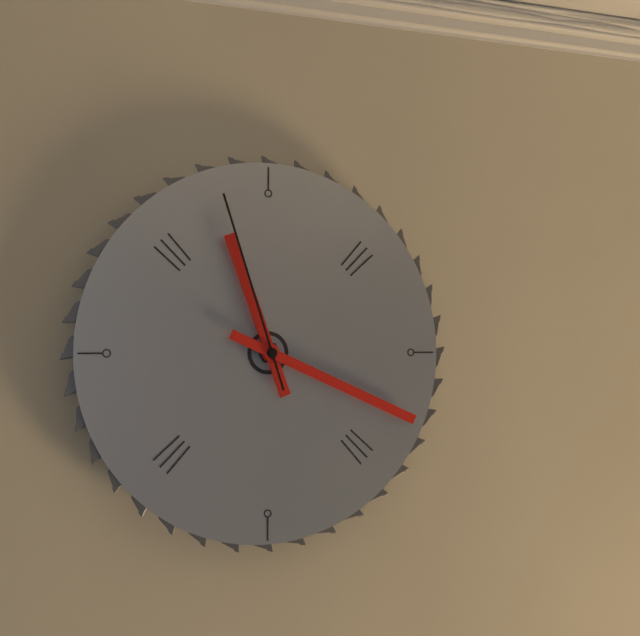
h=11 m=19 s=57
